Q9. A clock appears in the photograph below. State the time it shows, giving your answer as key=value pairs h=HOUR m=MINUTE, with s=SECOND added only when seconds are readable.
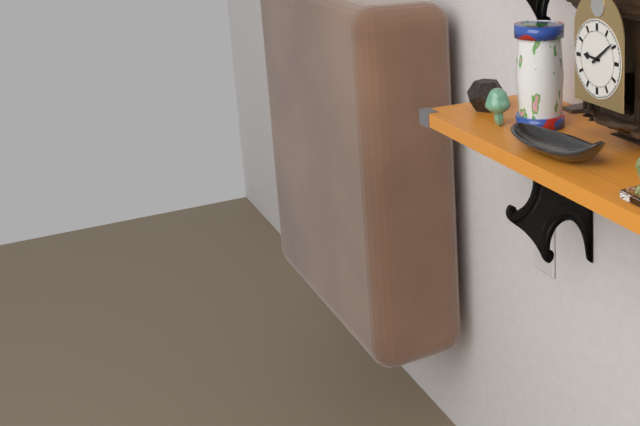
h=9 m=9
